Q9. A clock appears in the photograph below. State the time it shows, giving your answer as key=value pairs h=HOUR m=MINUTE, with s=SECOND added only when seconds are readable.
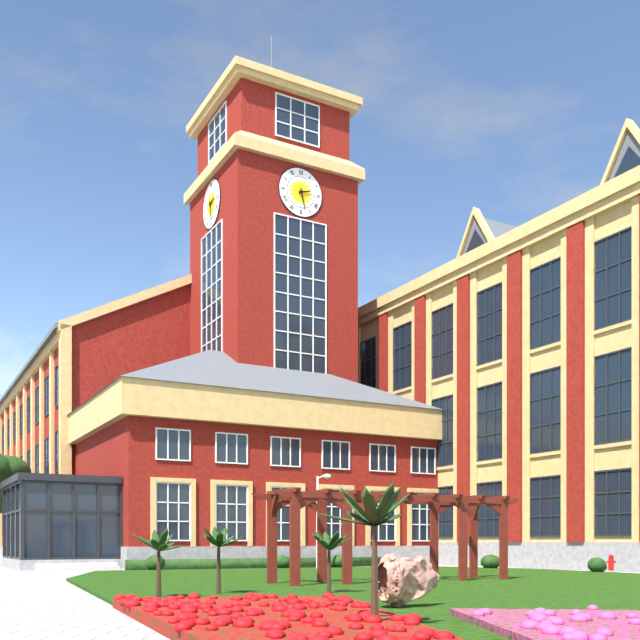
h=2 m=28
